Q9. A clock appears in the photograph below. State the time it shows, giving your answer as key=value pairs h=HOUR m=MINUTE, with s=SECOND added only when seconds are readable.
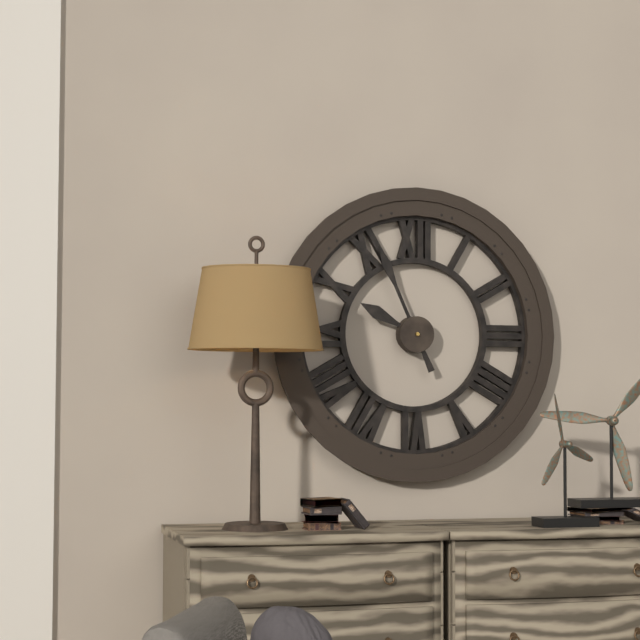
h=9 m=56
